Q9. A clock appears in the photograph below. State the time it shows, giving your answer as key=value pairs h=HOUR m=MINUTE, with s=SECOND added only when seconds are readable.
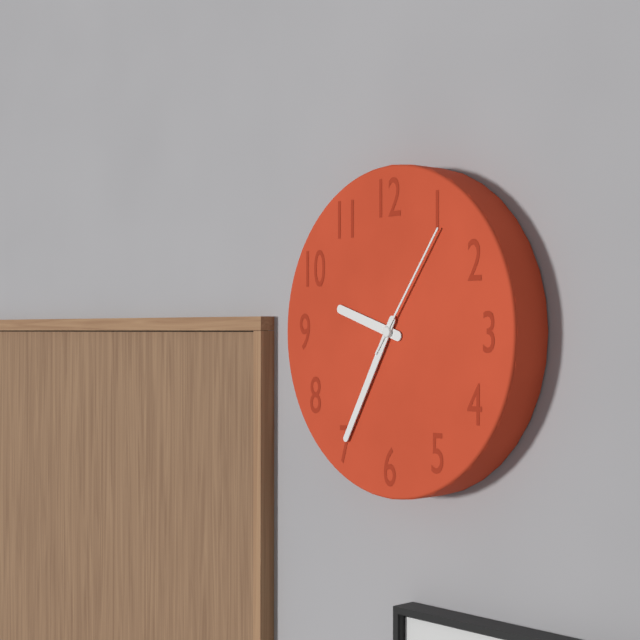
h=9 m=35 s=6
